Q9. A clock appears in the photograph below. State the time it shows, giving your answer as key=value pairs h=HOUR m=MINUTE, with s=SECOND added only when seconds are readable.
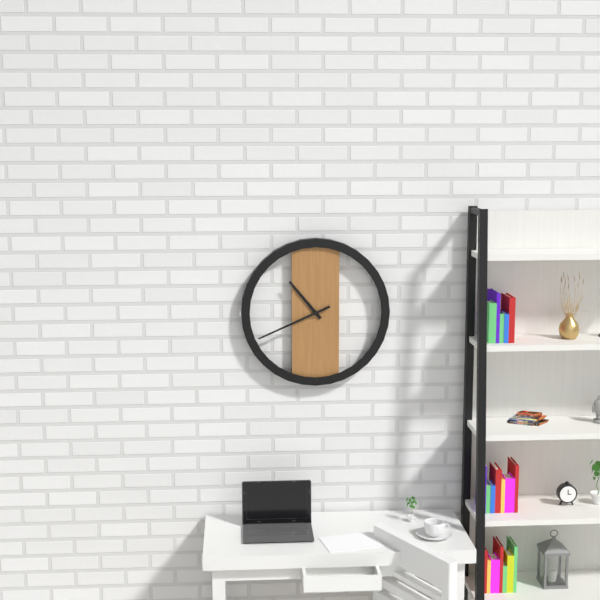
h=10 m=41
